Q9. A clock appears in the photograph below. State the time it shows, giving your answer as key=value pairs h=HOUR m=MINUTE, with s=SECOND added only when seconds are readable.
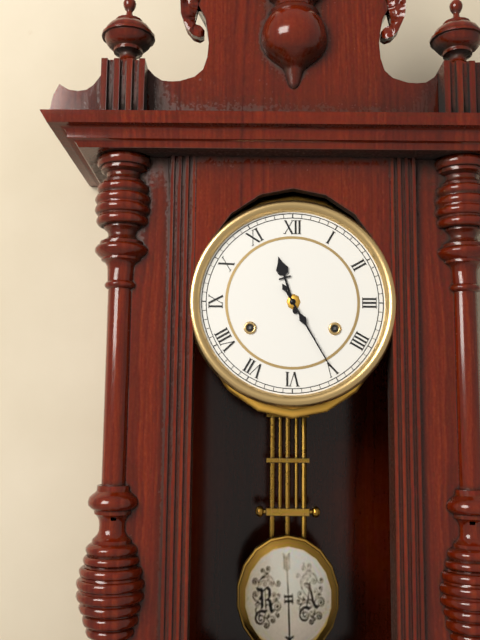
h=11 m=25
